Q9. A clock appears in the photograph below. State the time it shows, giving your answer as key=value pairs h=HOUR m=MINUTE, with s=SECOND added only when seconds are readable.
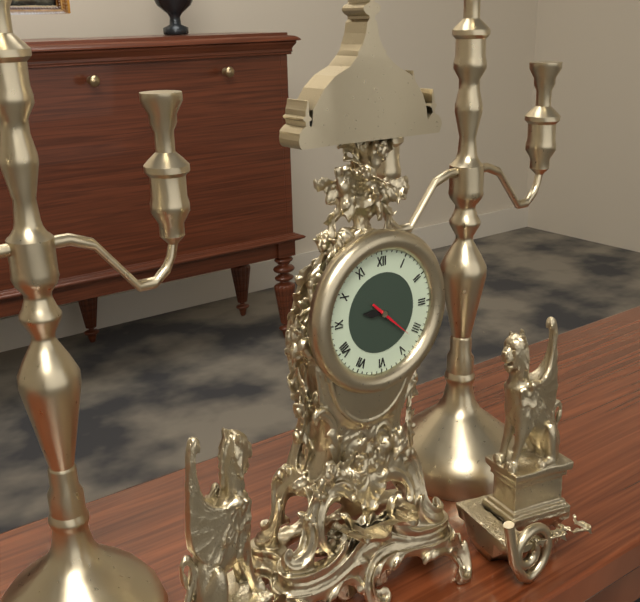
h=9 m=22
